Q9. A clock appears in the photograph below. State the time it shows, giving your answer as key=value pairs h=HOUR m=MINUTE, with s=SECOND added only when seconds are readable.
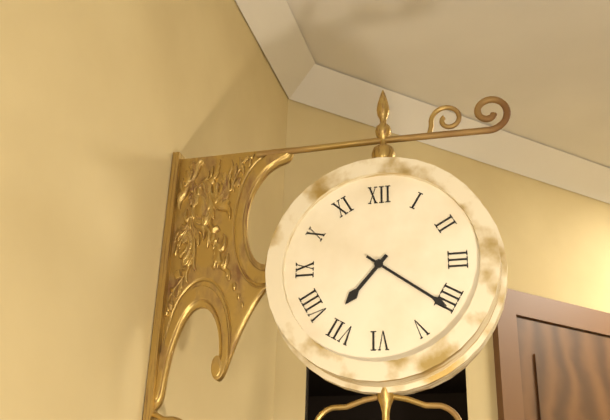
h=7 m=21
